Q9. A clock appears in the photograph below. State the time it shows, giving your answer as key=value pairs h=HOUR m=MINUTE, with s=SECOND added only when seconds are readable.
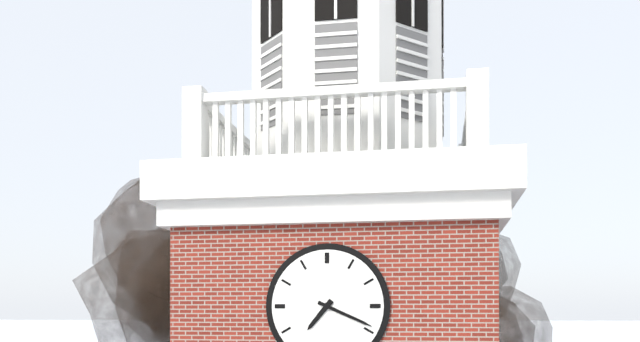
h=7 m=19
